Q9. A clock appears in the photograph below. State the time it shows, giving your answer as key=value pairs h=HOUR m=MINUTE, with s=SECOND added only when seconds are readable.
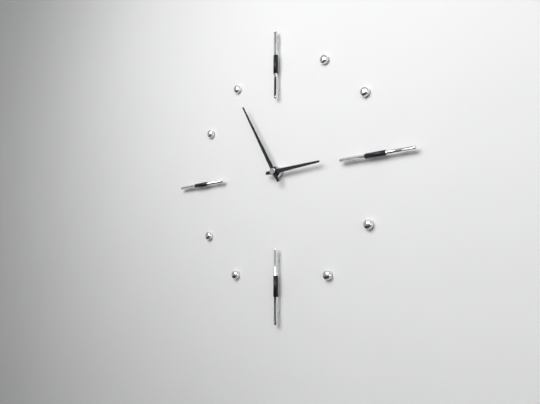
h=2 m=55
